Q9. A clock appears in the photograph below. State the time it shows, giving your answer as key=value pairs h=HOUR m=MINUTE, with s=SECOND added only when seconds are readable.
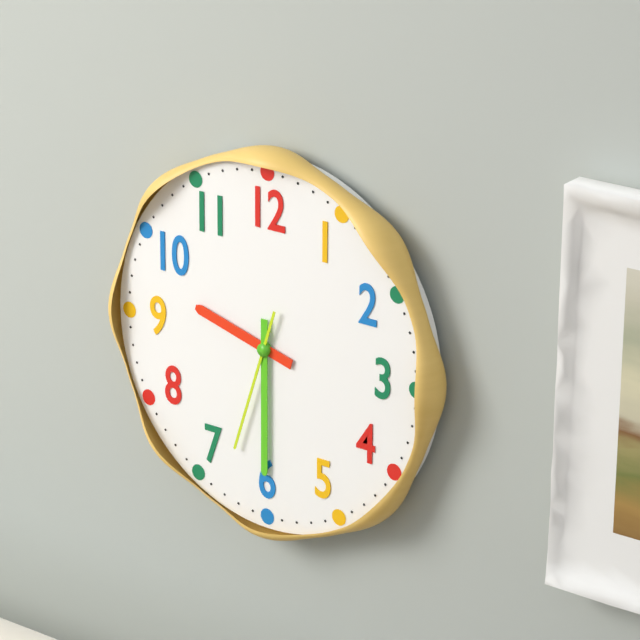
h=9 m=30 s=33
